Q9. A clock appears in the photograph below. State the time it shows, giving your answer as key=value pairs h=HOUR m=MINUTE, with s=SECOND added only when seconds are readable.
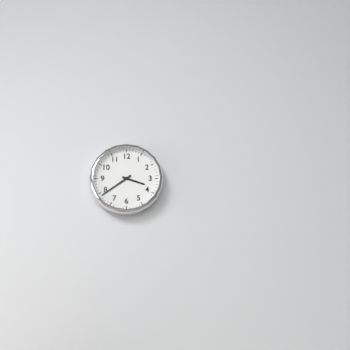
h=3 m=39
